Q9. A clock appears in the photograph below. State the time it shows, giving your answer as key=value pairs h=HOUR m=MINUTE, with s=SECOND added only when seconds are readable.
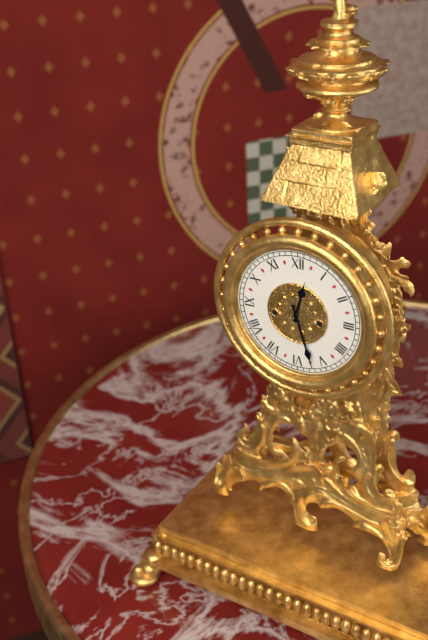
h=12 m=27
